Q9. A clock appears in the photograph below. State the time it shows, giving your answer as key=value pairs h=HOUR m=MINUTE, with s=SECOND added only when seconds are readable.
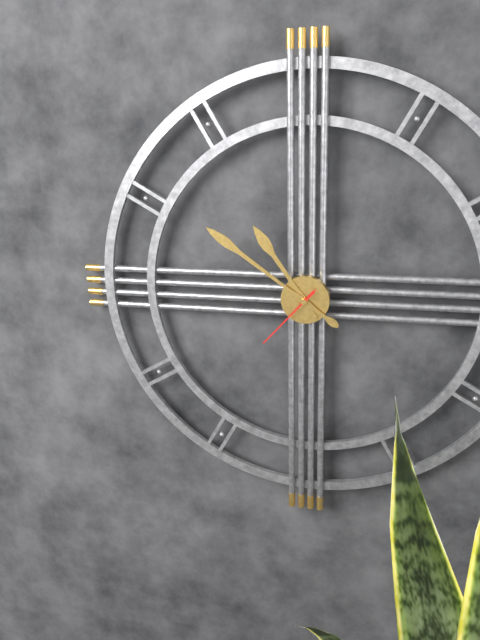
h=10 m=51 s=37
